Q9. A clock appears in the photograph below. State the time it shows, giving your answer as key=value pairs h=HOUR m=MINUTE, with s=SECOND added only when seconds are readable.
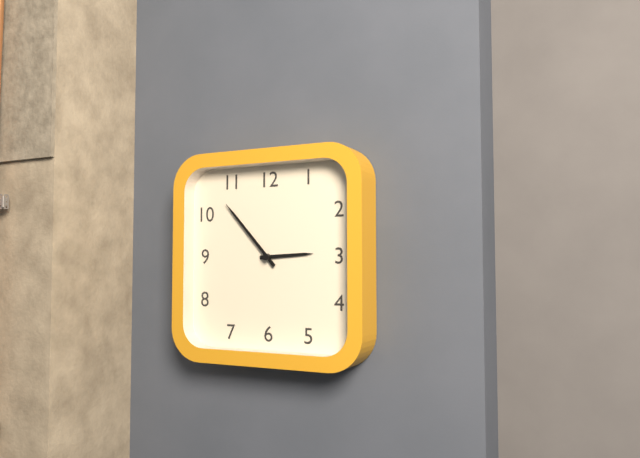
h=2 m=53
